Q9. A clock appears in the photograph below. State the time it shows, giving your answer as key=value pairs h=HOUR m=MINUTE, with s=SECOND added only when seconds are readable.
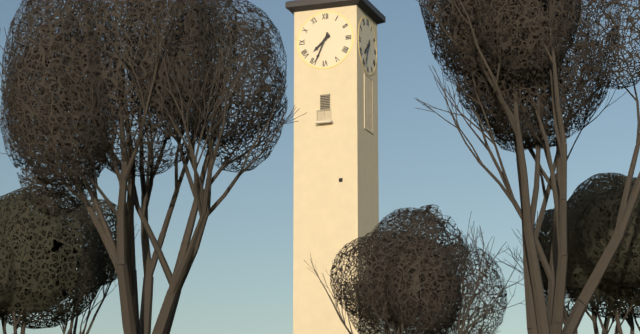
h=7 m=34
